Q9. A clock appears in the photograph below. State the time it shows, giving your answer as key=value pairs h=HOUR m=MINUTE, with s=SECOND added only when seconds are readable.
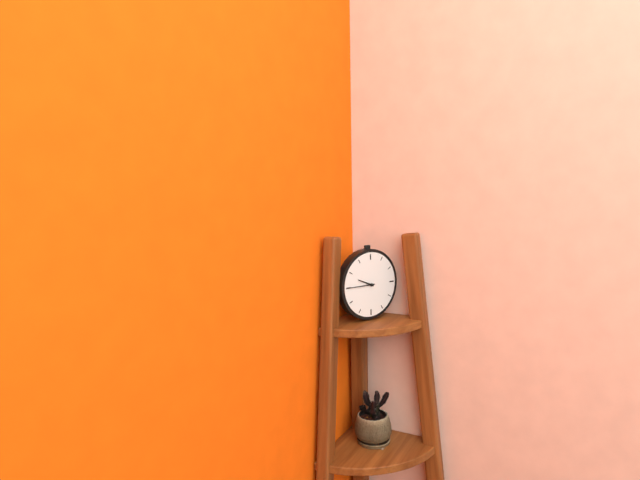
h=9 m=45
